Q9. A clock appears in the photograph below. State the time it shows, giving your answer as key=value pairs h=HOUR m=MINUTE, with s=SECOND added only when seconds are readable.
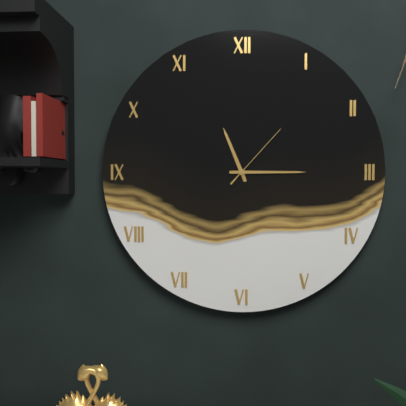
h=11 m=15 s=7
